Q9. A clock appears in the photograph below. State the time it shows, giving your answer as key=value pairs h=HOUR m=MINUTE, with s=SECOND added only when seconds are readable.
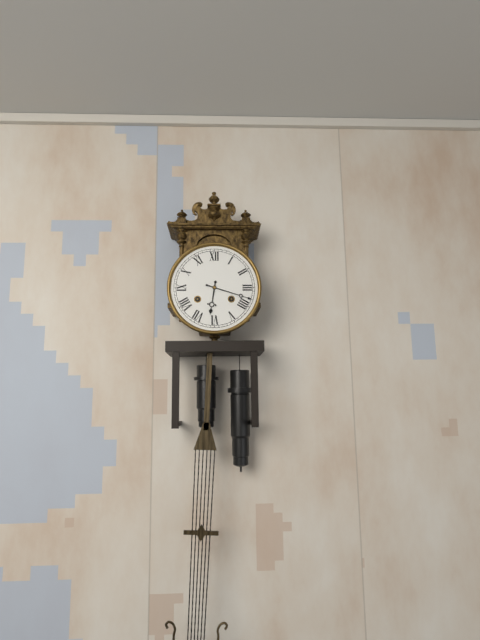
h=6 m=18
